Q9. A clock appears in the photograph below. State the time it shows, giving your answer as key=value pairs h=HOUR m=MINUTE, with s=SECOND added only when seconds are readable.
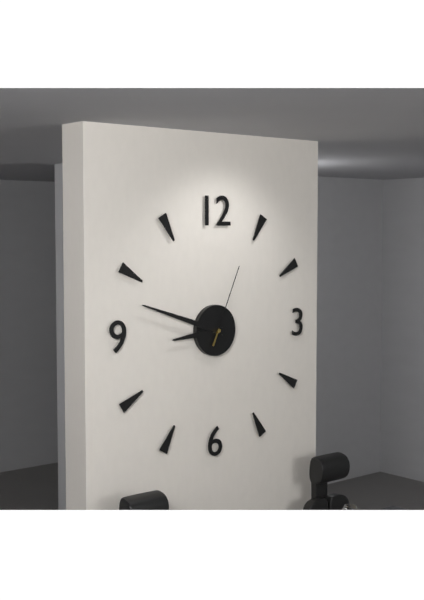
h=8 m=48 s=4
